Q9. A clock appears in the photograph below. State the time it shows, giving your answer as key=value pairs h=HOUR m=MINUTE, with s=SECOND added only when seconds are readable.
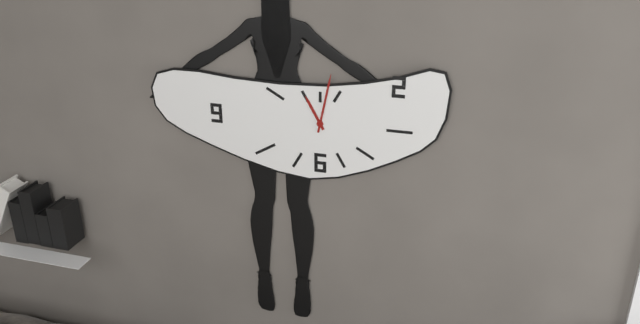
h=11 m=2
